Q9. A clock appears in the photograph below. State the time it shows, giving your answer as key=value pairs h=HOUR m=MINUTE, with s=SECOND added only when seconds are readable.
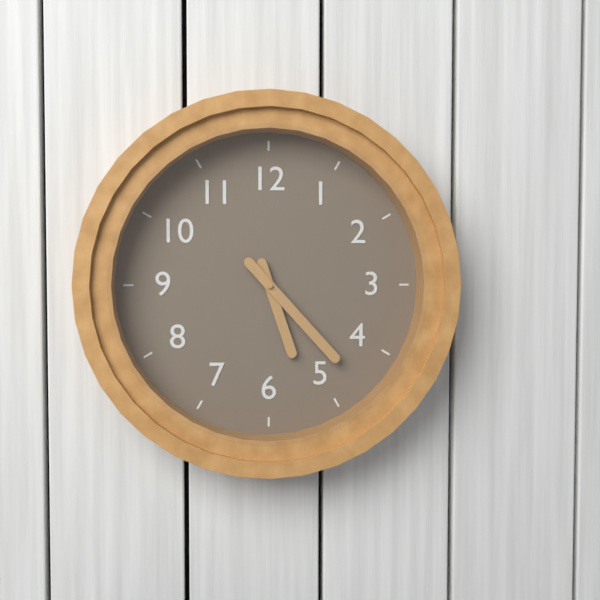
h=5 m=23
